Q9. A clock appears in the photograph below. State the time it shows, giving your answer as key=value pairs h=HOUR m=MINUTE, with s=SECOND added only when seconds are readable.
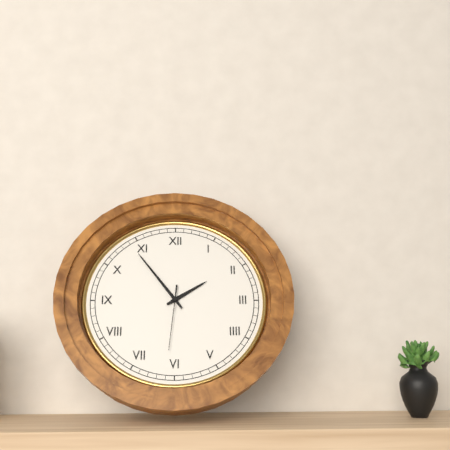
h=1 m=54 s=31
